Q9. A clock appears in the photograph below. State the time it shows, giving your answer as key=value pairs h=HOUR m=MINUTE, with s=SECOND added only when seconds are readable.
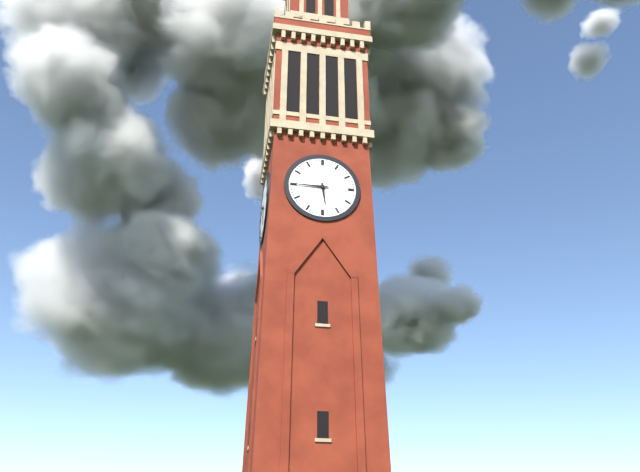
h=5 m=45
